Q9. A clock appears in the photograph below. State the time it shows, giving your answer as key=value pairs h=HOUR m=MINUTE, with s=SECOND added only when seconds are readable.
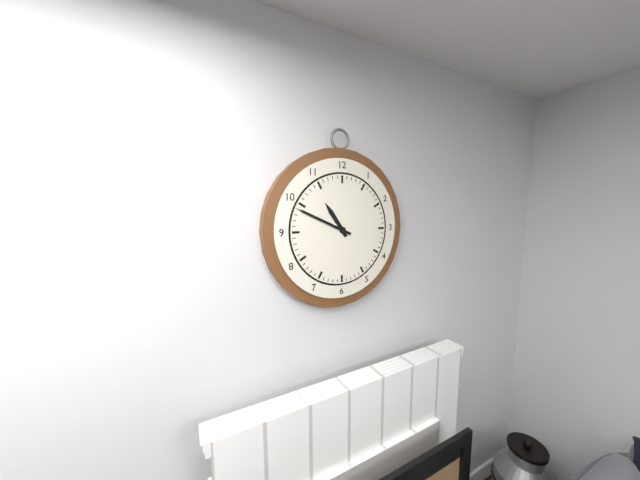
h=10 m=49
